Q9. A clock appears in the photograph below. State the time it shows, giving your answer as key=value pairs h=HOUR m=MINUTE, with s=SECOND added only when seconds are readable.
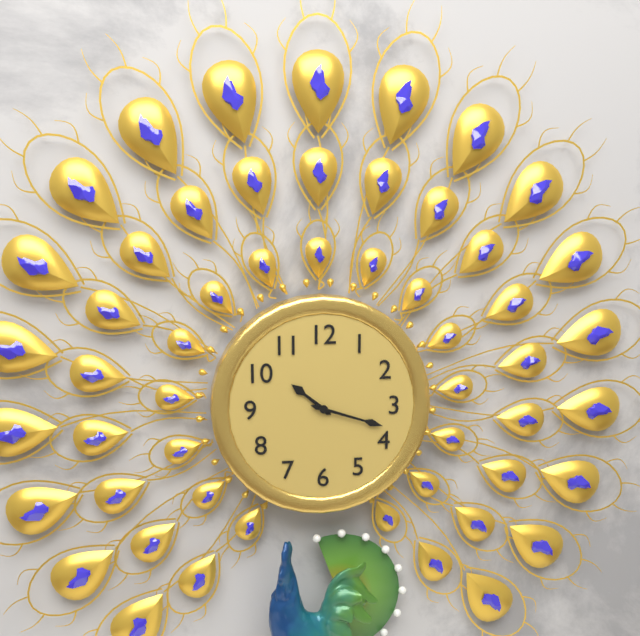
h=10 m=18
